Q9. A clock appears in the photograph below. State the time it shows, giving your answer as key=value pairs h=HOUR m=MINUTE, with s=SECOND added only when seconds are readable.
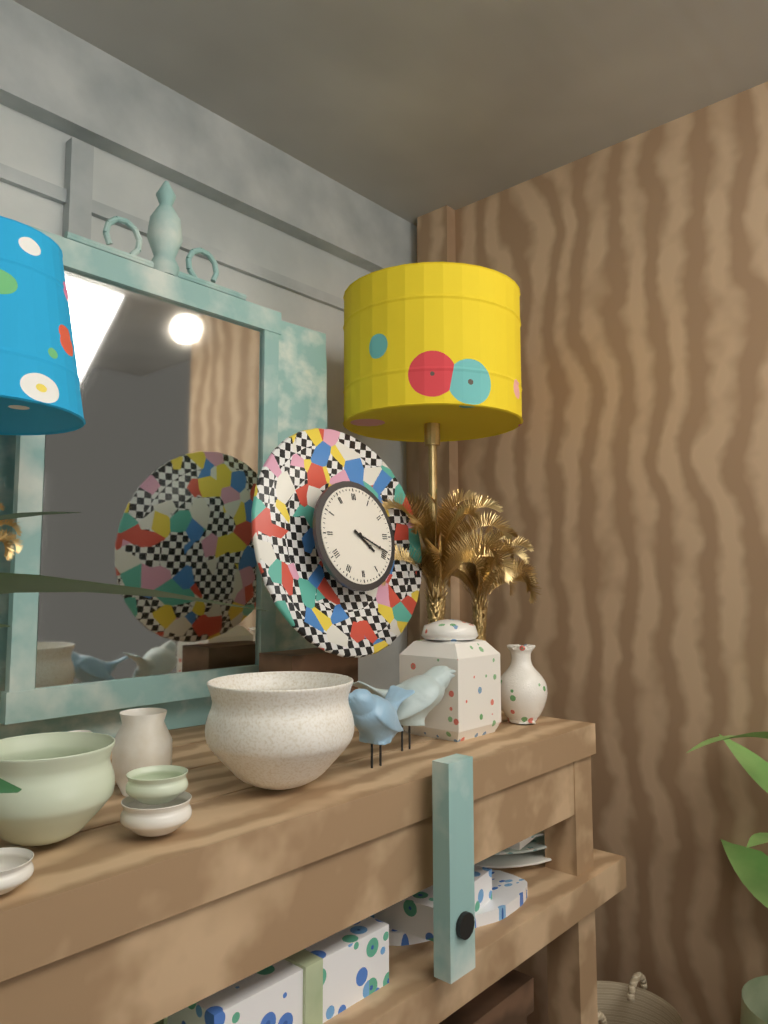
h=4 m=19
